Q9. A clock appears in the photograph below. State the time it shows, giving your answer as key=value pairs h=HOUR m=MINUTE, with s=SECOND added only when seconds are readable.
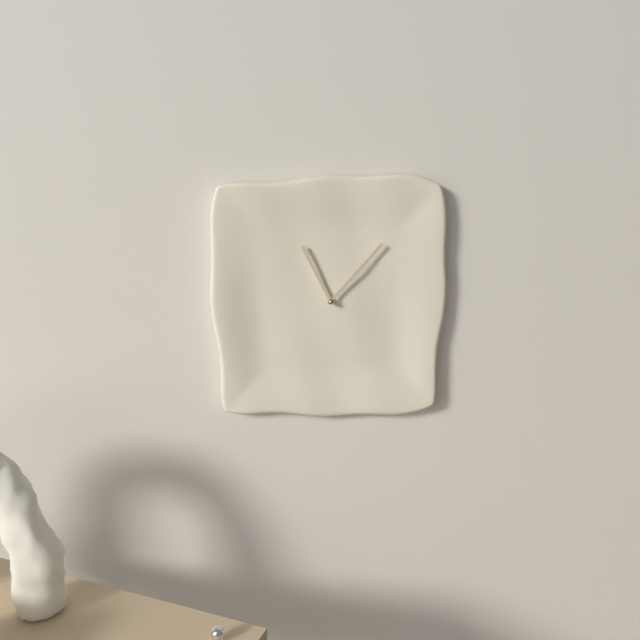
h=11 m=7
